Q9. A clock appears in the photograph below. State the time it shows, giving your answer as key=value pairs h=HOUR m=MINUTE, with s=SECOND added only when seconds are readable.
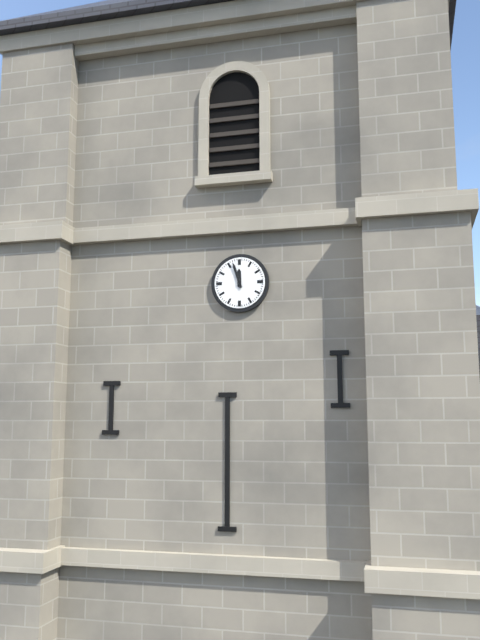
h=11 m=57
